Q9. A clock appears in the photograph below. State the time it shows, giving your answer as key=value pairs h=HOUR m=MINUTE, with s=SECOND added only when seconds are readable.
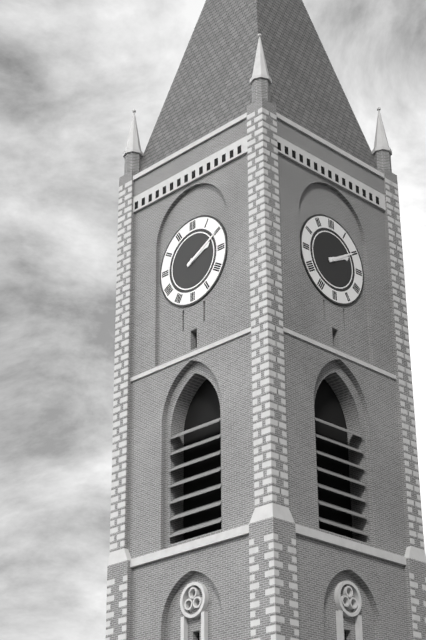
h=2 m=10
